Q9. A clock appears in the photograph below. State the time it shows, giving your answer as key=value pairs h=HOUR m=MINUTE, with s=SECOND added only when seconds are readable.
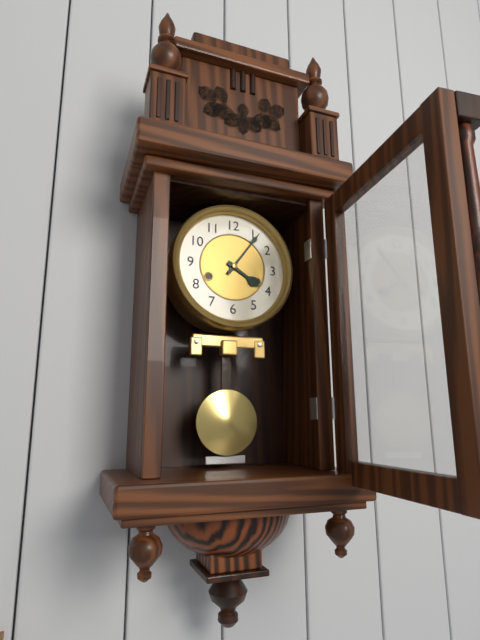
h=4 m=6
